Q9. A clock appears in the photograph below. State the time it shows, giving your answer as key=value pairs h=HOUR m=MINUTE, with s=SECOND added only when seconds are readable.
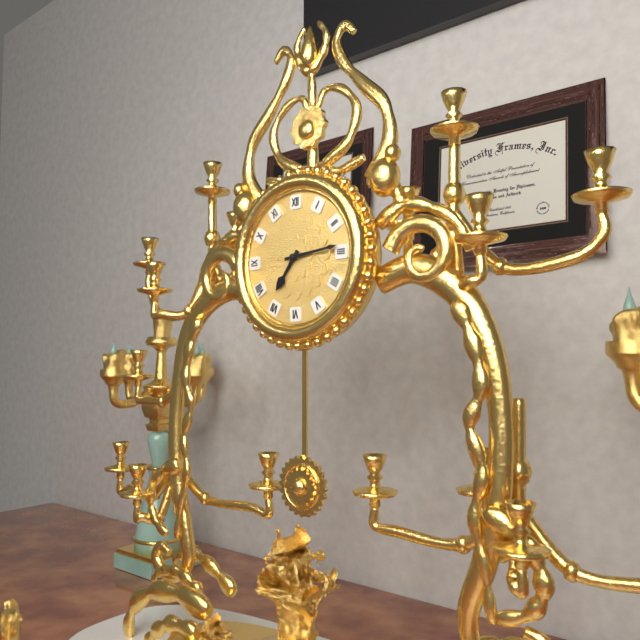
h=7 m=14
